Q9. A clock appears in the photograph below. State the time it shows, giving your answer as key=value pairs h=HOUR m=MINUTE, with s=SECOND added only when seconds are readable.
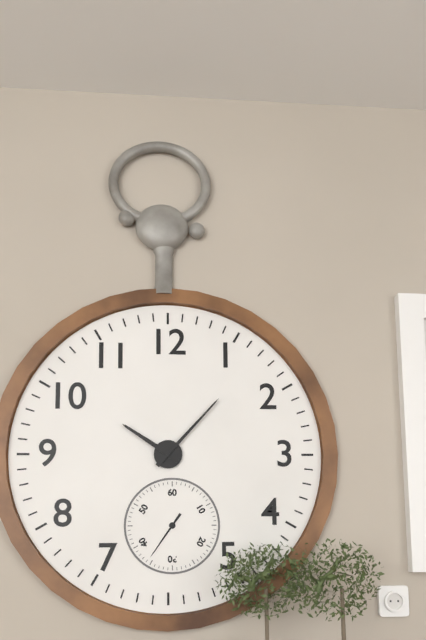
h=10 m=7
